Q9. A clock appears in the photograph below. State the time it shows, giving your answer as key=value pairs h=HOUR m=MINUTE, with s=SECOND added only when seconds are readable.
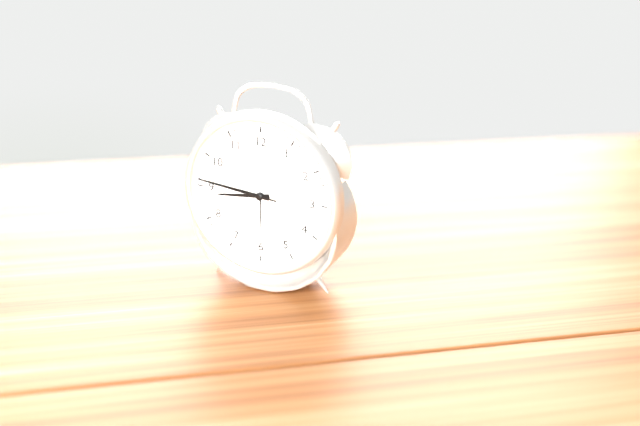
h=8 m=46 s=46
